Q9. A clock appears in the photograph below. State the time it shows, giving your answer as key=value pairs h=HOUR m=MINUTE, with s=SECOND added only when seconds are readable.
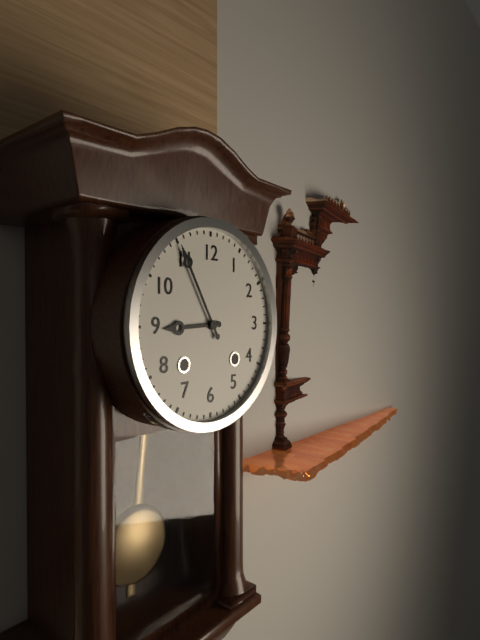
h=8 m=55
